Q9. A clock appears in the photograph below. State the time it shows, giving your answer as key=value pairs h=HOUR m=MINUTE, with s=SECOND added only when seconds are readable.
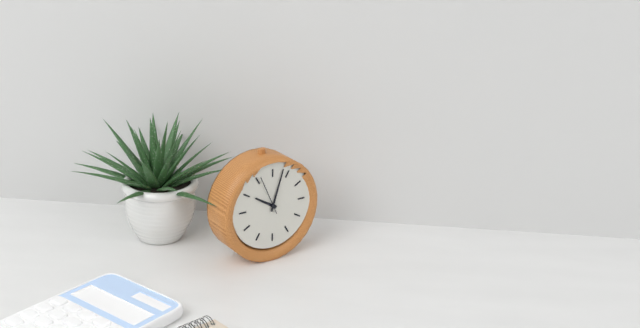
h=10 m=3
